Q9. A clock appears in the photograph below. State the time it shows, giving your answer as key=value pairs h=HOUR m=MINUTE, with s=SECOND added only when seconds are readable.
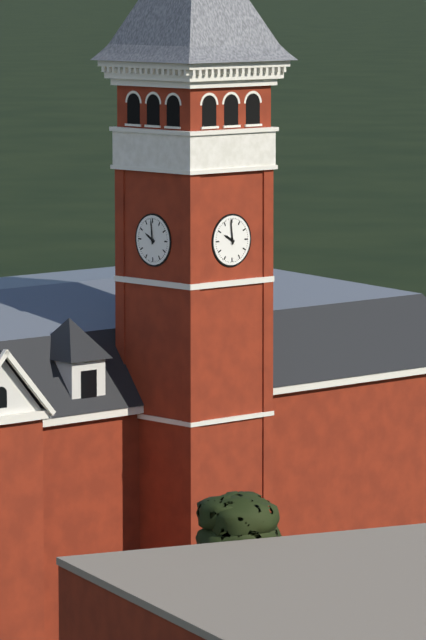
h=9 m=59
